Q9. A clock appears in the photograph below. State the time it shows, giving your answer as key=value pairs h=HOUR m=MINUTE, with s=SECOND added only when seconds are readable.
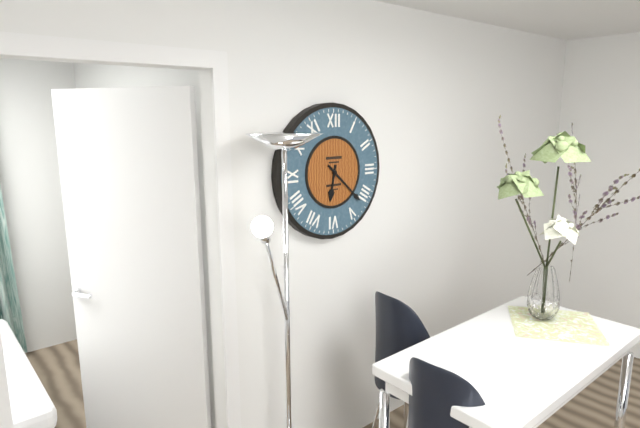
h=6 m=22
